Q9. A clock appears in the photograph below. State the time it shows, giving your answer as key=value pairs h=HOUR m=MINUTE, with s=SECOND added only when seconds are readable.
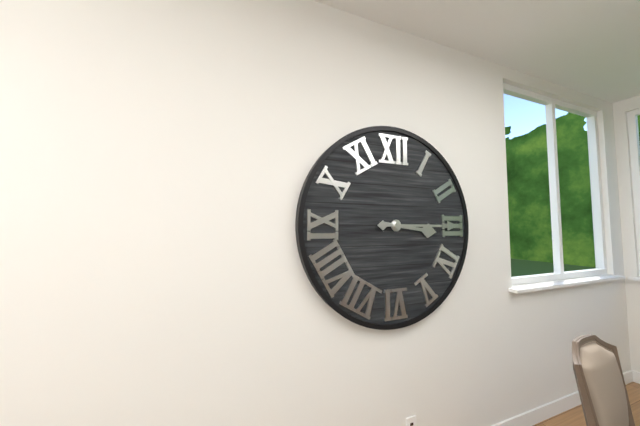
h=3 m=15
